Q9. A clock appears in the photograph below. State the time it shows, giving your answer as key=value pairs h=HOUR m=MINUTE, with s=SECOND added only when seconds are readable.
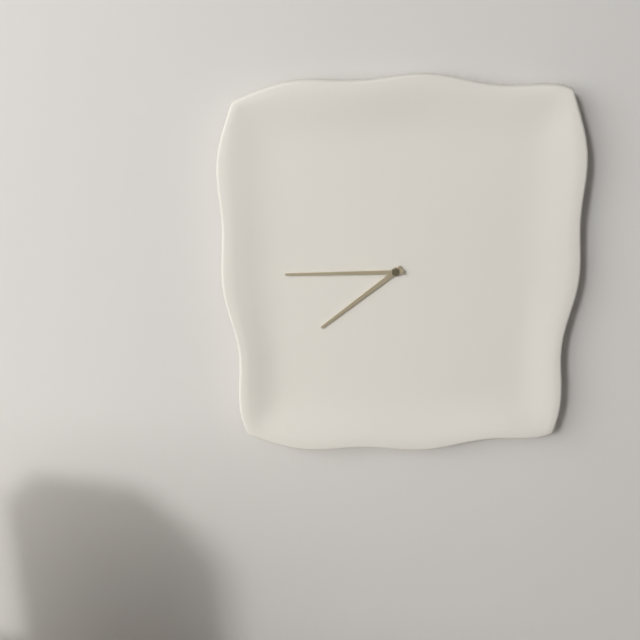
h=7 m=45
